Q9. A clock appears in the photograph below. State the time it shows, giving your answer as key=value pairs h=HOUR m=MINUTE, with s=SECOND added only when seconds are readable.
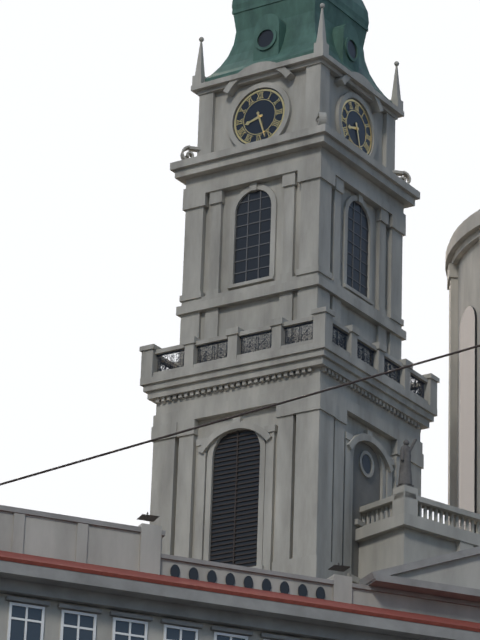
h=8 m=27
